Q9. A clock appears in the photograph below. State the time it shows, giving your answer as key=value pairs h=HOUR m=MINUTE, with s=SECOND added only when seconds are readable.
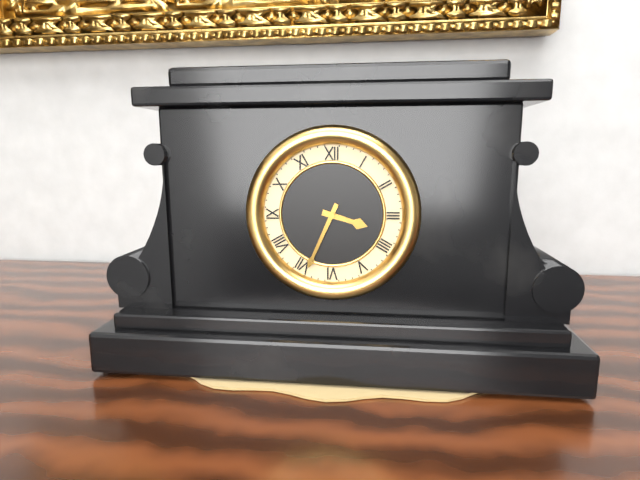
h=3 m=34
